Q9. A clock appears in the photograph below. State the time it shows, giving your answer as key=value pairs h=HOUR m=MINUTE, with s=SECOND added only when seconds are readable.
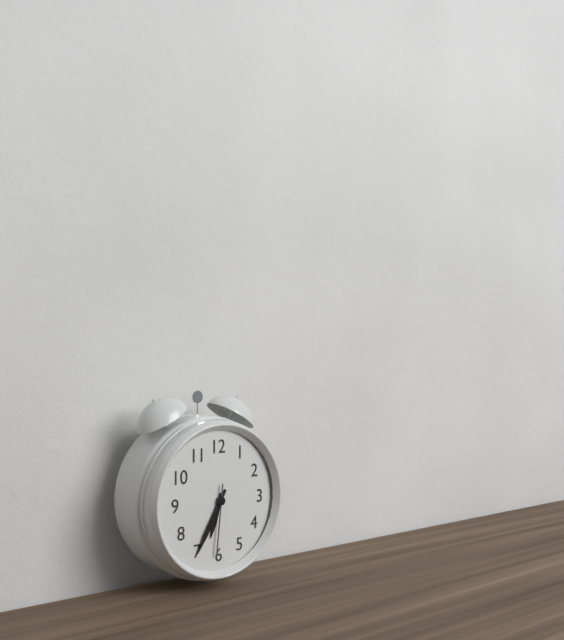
h=6 m=35 s=31
